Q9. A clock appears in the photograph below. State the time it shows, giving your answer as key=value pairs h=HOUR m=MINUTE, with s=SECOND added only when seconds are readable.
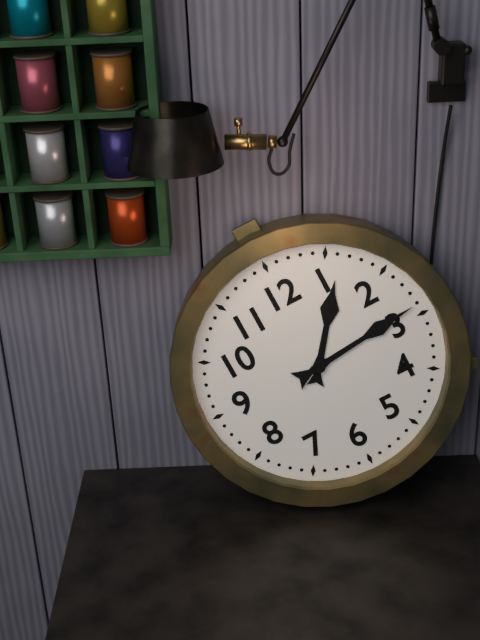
h=1 m=14
